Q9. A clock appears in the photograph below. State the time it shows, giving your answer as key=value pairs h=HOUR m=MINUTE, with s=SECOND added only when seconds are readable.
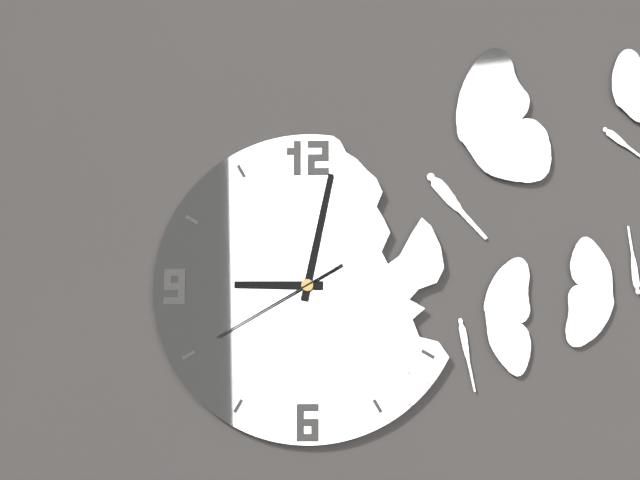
h=9 m=2 s=40
